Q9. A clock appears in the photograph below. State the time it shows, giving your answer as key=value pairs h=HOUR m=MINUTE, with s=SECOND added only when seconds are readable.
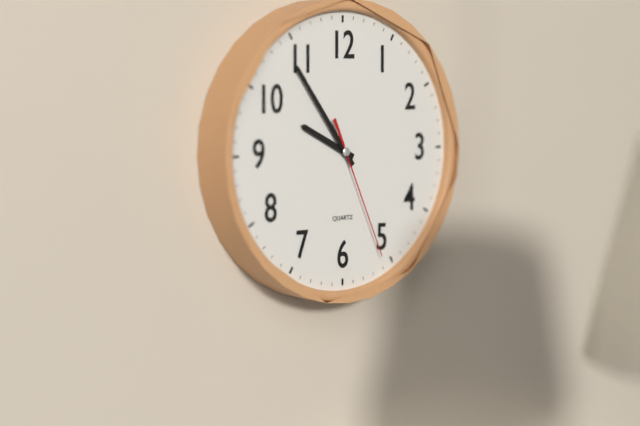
h=9 m=54 s=26
